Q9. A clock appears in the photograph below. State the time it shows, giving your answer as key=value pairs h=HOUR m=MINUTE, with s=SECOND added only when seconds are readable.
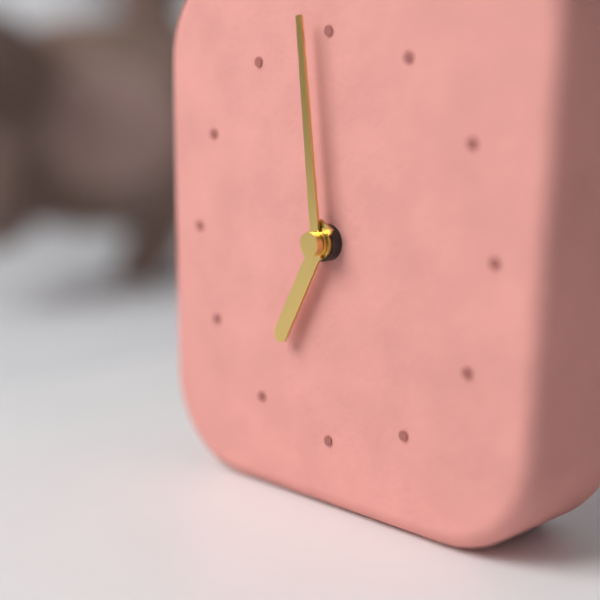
h=6 m=59
